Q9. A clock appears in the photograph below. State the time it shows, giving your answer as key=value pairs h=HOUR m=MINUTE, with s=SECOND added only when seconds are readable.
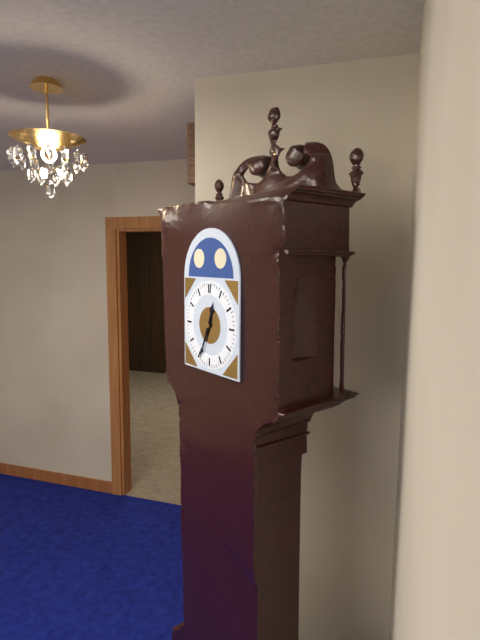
h=12 m=34
